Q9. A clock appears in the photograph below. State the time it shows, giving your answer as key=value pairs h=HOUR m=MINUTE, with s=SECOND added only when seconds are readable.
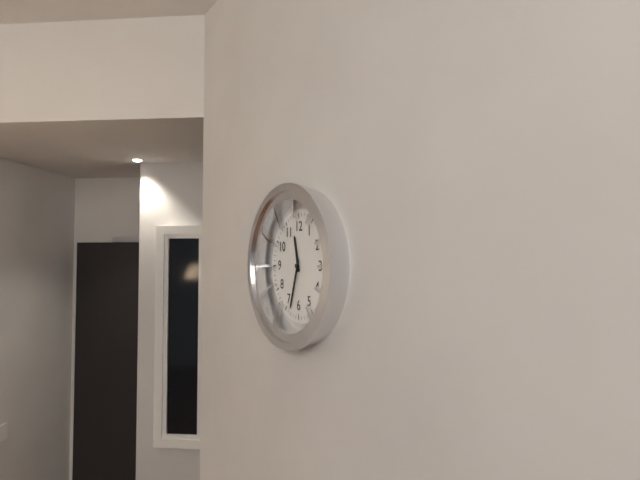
h=11 m=33
